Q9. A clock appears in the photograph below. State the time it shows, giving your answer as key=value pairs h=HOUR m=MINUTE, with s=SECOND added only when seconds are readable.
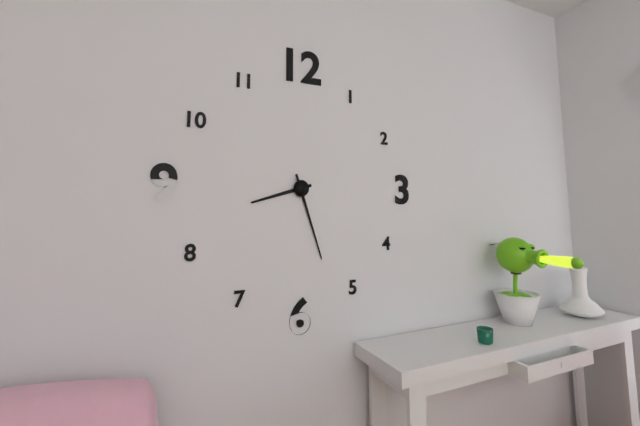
h=8 m=27
